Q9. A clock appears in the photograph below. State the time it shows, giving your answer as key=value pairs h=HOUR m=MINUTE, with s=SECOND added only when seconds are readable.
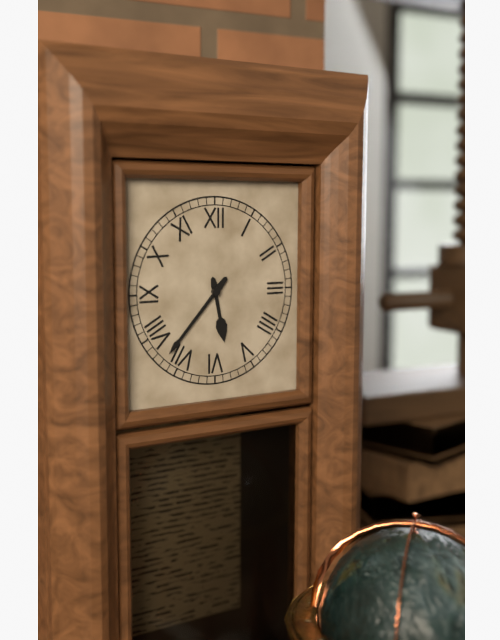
h=5 m=37
